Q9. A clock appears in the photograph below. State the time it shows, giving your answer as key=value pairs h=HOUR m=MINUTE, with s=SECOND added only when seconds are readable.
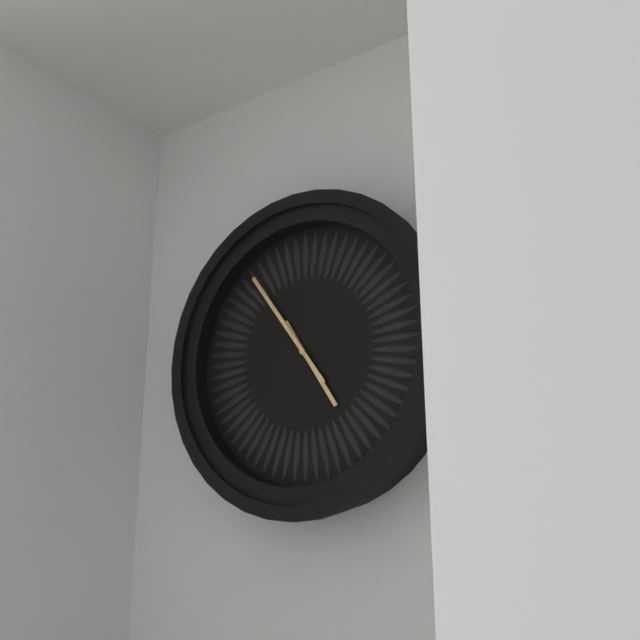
h=4 m=54
